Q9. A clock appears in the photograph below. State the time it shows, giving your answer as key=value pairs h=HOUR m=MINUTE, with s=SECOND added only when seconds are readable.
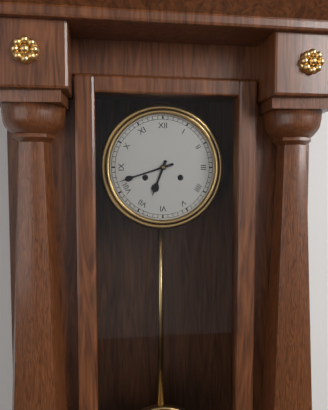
h=6 m=42
